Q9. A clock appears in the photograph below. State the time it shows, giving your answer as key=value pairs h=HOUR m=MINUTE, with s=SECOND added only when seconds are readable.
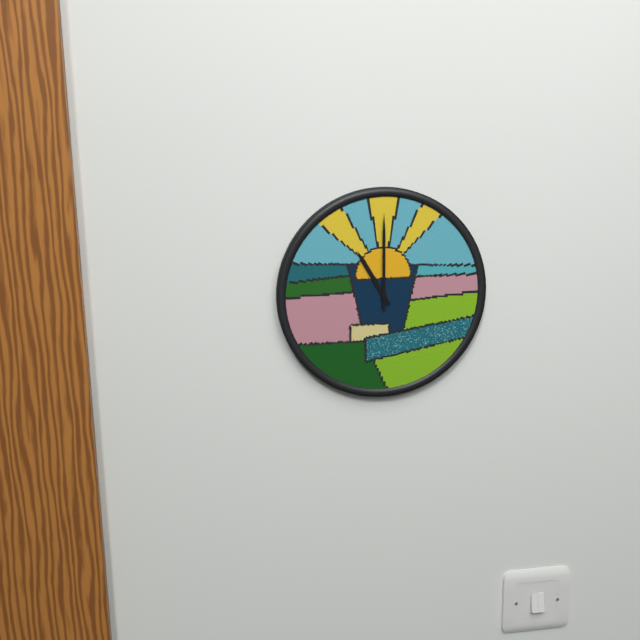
h=11 m=0
